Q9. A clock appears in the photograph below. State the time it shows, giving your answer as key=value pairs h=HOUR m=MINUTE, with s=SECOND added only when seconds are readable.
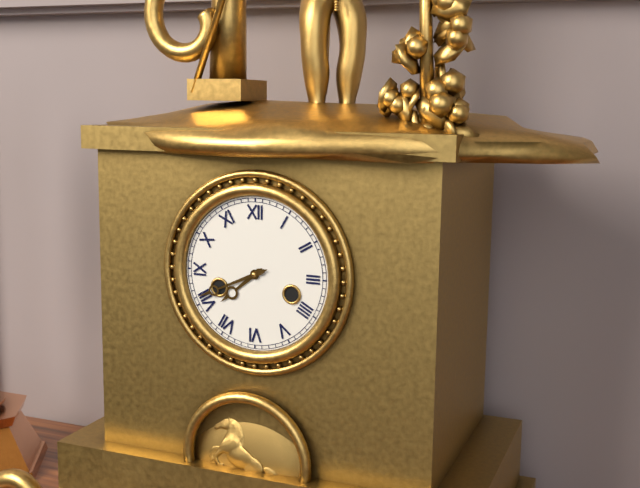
h=7 m=41
